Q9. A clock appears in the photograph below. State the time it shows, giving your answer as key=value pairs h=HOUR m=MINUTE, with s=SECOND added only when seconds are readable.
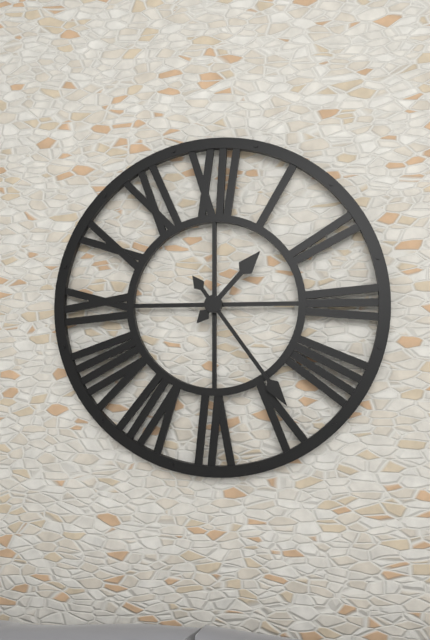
h=1 m=24
